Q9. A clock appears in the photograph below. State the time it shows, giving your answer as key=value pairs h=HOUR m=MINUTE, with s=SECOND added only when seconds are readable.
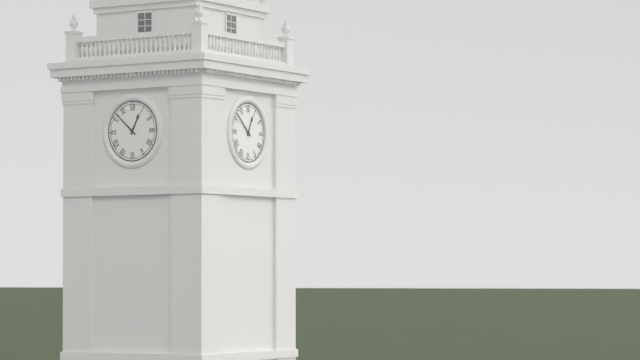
h=12 m=52
